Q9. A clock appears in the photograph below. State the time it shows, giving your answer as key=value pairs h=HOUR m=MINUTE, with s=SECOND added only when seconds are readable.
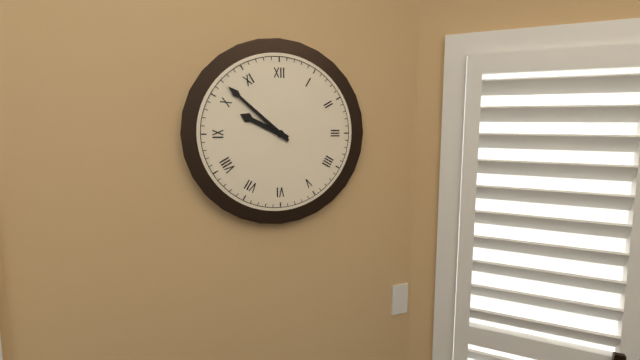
h=9 m=52
